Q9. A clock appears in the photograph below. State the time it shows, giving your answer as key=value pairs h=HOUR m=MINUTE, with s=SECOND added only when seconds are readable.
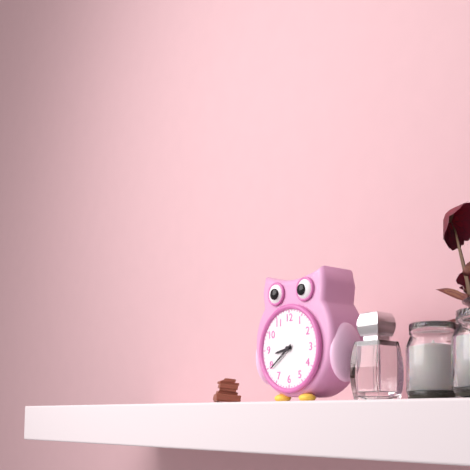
h=8 m=39
